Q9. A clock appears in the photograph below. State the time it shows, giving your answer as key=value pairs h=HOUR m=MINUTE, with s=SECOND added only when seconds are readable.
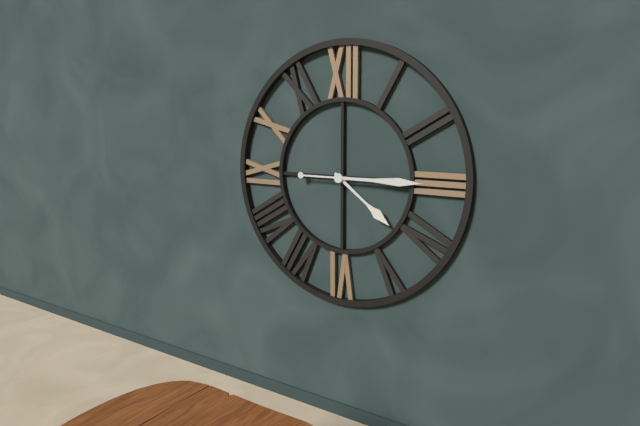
h=4 m=15
